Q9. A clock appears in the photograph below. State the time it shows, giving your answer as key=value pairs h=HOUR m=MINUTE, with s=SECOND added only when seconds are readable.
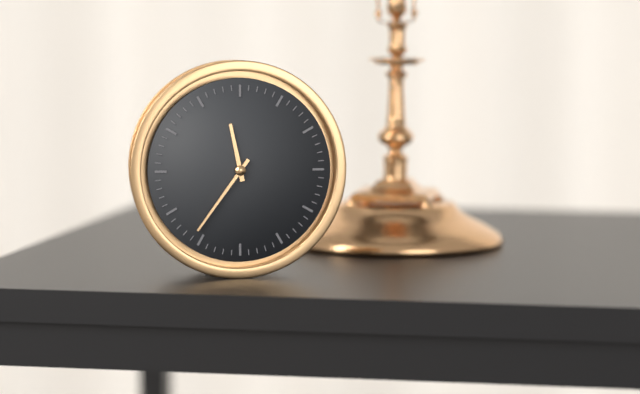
h=11 m=36
